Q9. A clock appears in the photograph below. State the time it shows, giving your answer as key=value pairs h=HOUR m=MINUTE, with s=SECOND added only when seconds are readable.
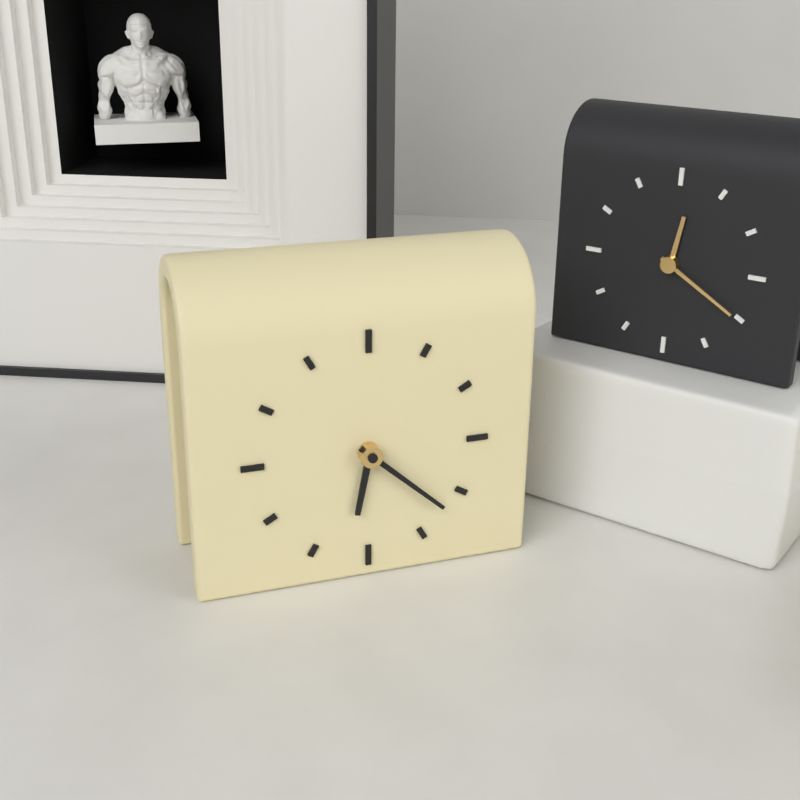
h=6 m=22
